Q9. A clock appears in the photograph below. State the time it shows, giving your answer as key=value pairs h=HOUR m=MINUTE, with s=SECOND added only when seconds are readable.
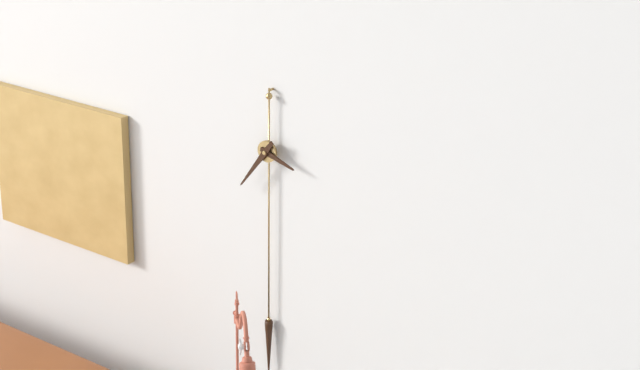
h=3 m=36
